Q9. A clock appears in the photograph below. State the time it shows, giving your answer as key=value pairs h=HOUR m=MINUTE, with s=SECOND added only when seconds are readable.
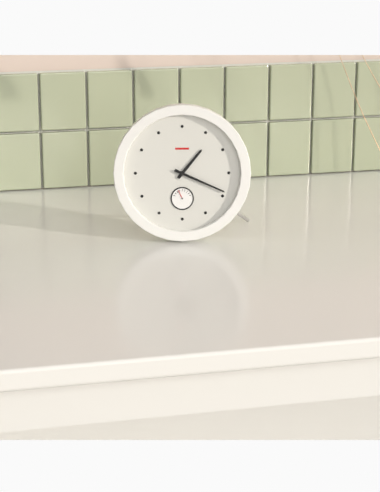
h=1 m=19
